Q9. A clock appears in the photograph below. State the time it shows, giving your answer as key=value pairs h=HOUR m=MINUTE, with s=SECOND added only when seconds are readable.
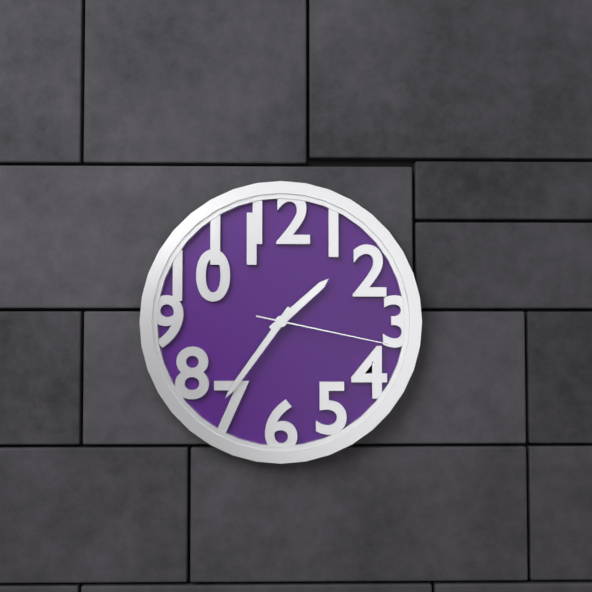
h=1 m=36 s=17
